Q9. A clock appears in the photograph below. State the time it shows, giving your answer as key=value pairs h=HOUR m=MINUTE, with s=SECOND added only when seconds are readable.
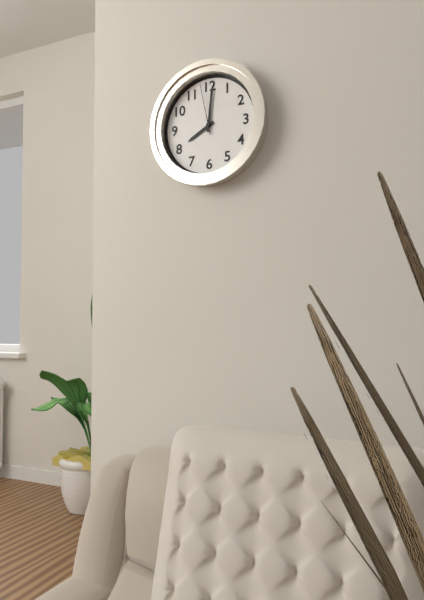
h=8 m=1 s=58
